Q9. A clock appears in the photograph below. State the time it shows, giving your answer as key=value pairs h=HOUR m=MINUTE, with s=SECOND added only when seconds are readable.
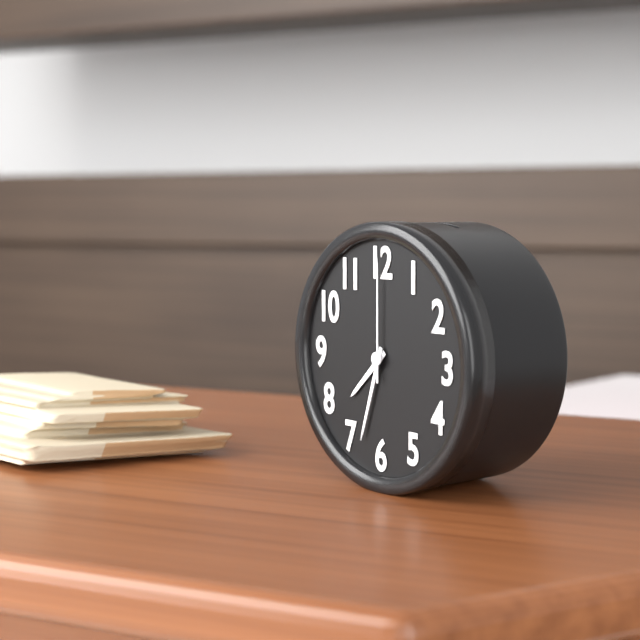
h=7 m=33 s=0
